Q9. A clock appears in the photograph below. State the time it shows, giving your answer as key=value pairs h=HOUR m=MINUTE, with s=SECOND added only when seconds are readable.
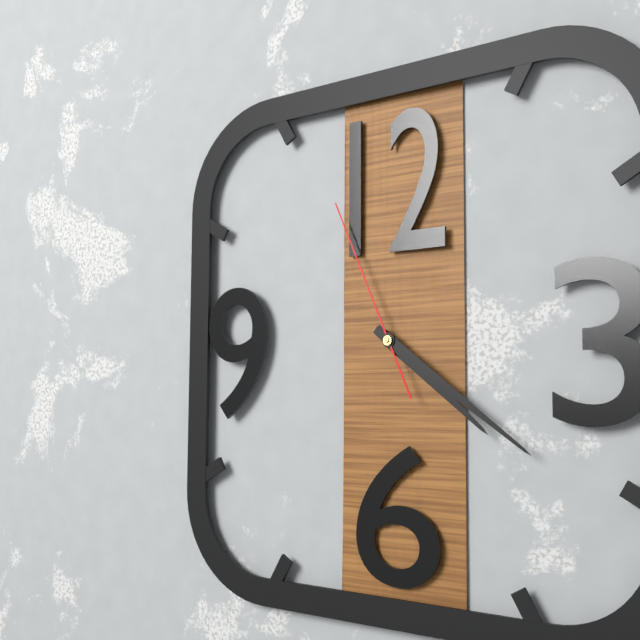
h=4 m=21 s=56
